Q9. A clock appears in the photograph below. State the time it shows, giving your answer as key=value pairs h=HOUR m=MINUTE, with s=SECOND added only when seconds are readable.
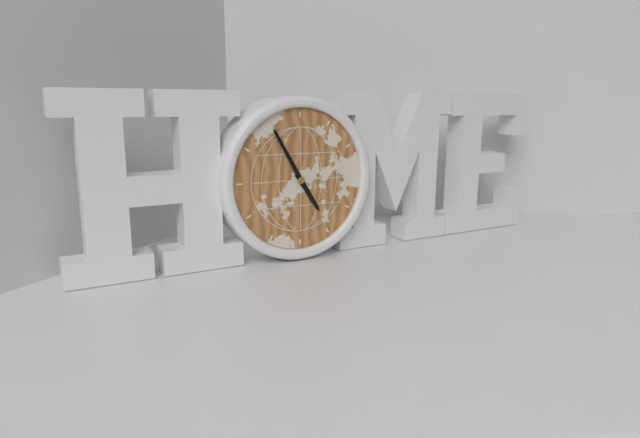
h=4 m=55
